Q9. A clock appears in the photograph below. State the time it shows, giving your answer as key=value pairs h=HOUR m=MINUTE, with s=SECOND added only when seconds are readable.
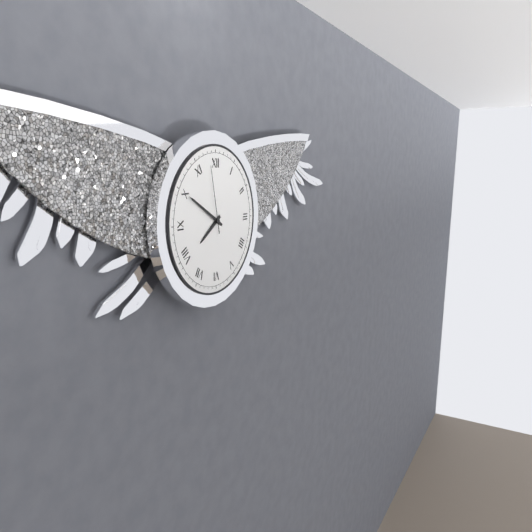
h=7 m=50 s=58
